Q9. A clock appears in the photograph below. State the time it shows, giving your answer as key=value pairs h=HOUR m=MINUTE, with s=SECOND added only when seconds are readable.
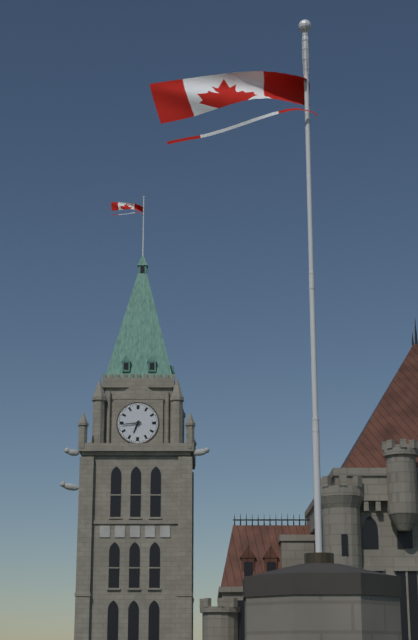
h=6 m=44
